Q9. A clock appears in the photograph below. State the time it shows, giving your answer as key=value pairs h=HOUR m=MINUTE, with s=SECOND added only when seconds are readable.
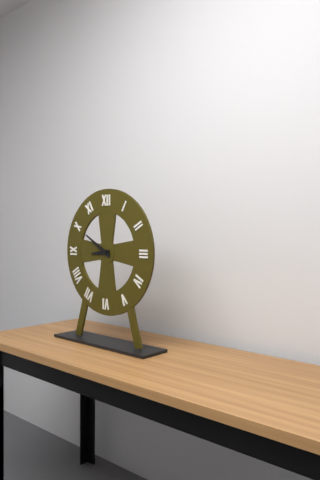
h=8 m=50
